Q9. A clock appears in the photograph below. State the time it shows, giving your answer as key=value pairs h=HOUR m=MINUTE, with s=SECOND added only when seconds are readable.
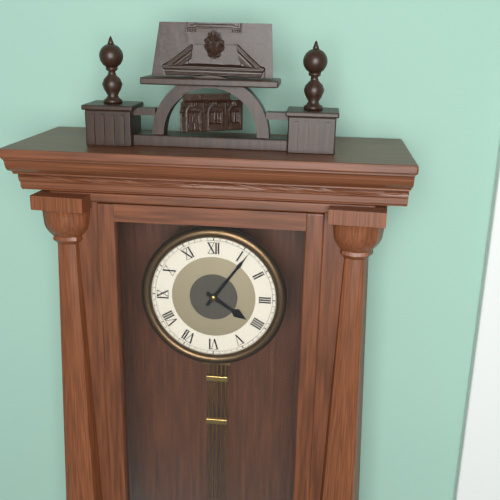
h=4 m=6
